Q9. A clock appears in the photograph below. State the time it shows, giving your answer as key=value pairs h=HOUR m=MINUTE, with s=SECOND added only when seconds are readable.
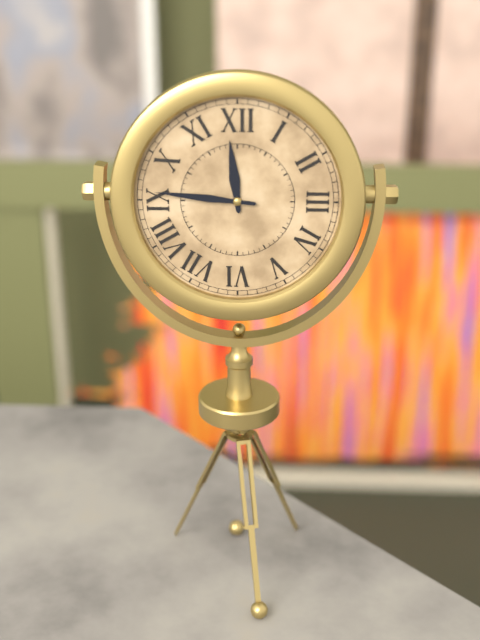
h=11 m=46
